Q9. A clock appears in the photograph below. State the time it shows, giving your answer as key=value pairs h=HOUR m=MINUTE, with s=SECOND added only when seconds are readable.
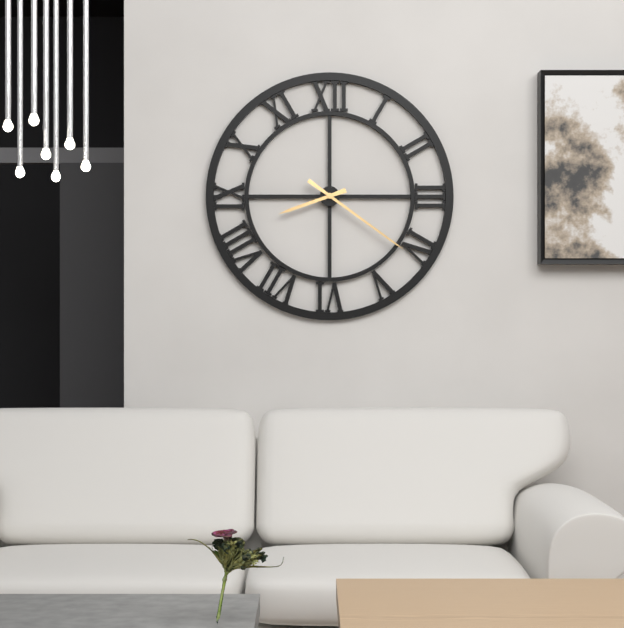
h=8 m=21
